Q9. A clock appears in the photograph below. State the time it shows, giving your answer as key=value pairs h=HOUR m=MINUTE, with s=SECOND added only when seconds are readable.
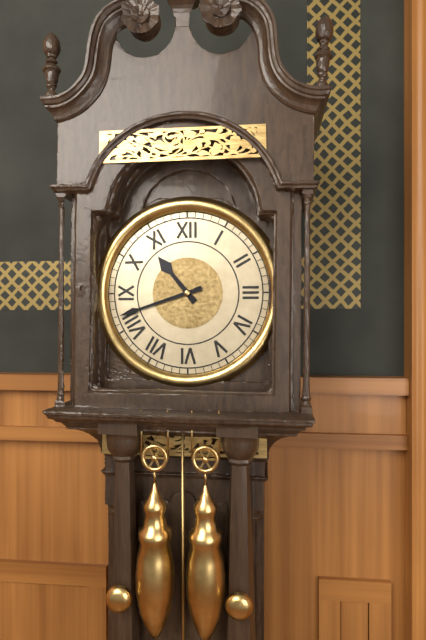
h=10 m=42
